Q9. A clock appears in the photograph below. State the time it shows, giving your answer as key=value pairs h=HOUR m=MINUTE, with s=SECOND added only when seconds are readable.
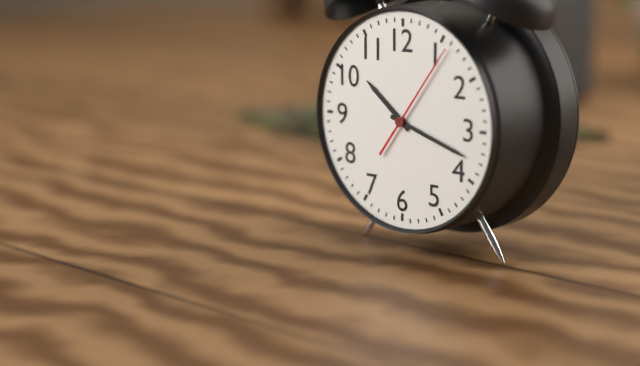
h=10 m=18 s=6
